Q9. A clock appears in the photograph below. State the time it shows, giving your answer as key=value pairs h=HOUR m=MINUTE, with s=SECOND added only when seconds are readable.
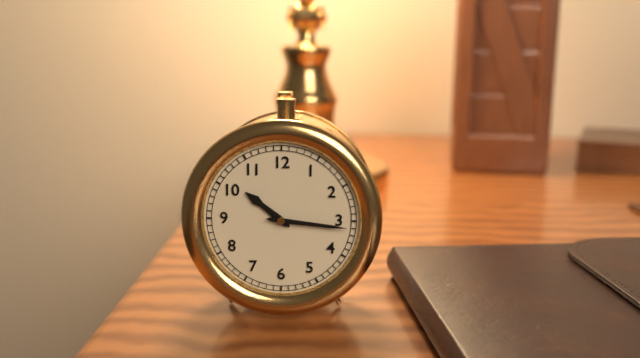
h=10 m=16
